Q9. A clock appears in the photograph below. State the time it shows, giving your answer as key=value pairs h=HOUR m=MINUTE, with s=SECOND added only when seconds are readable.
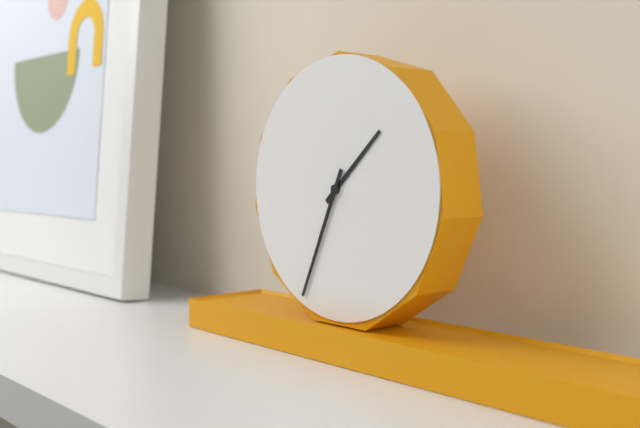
h=1 m=34
